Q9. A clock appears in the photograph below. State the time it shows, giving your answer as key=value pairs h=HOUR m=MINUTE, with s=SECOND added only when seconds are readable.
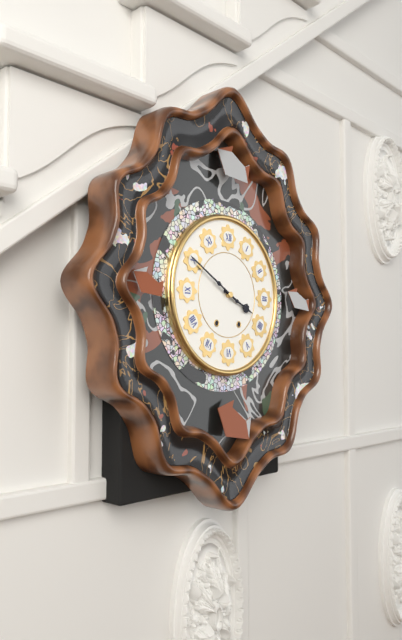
h=3 m=50
